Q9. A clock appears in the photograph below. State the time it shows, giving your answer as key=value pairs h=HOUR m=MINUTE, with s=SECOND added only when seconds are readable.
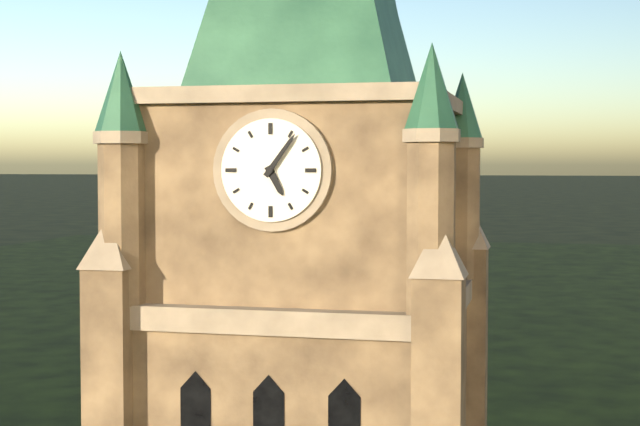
h=5 m=6
